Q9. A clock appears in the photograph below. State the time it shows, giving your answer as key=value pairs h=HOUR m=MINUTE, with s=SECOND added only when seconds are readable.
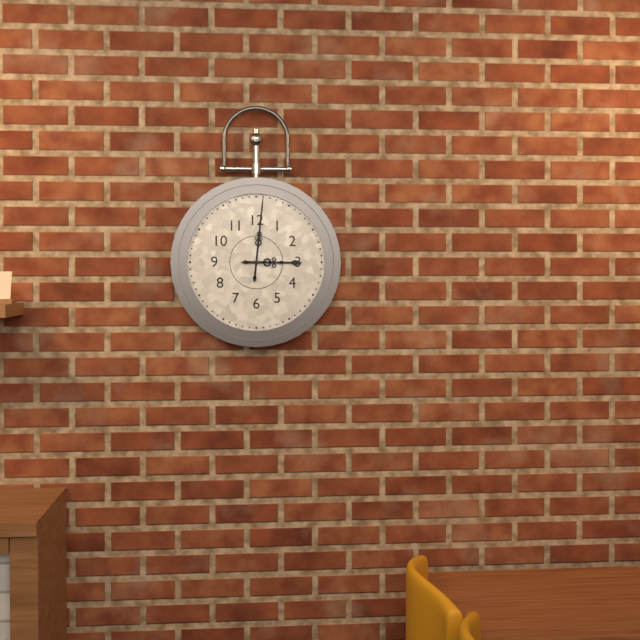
h=3 m=1
